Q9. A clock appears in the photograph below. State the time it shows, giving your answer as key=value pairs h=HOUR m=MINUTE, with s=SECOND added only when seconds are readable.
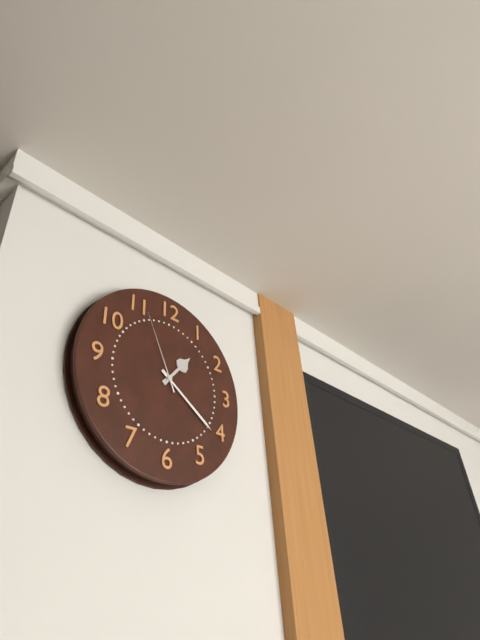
h=1 m=21 s=56
